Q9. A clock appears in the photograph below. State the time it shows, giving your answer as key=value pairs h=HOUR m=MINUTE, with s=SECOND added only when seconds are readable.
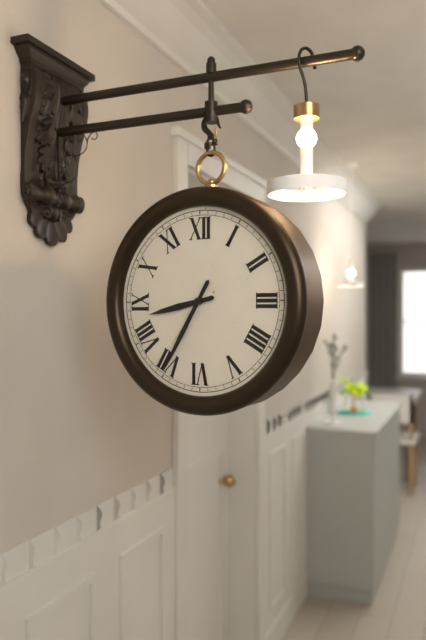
h=8 m=35
